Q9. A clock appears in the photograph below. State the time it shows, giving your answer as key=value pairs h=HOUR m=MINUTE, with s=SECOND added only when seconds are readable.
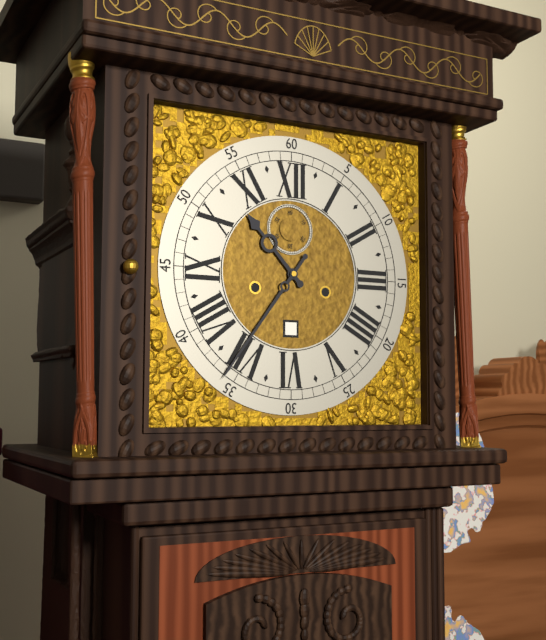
h=10 m=36
